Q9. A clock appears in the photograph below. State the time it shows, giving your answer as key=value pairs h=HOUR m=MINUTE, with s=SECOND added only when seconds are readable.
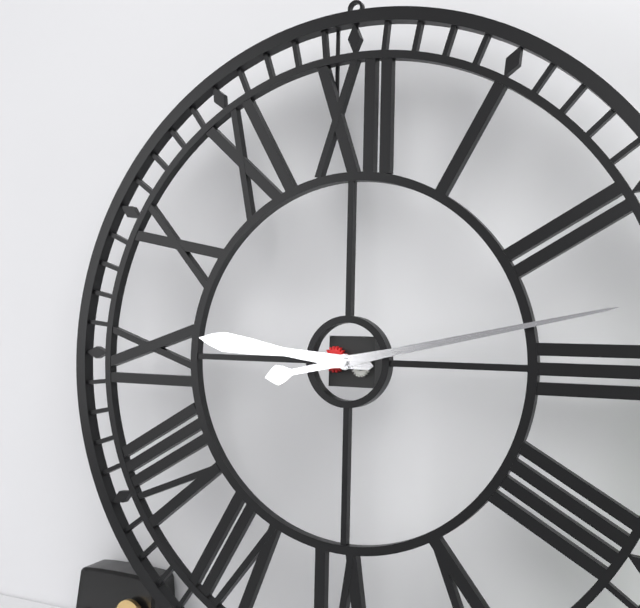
h=9 m=13
